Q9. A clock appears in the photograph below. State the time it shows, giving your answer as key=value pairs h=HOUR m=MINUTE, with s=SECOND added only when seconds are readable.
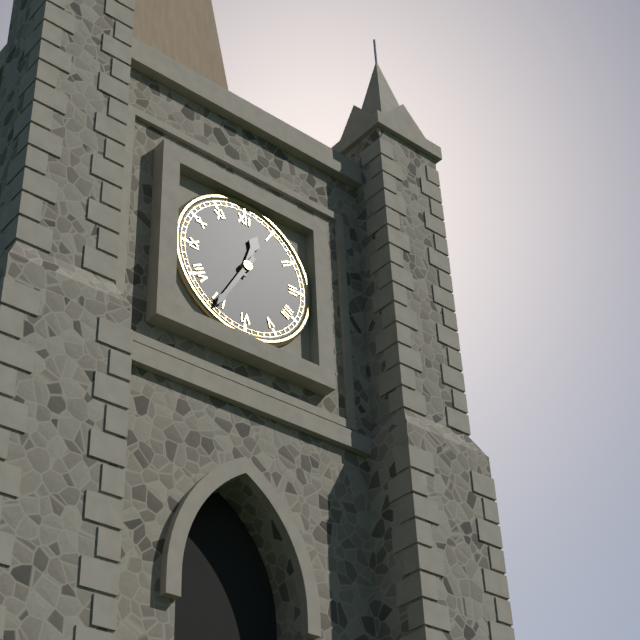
h=12 m=35
